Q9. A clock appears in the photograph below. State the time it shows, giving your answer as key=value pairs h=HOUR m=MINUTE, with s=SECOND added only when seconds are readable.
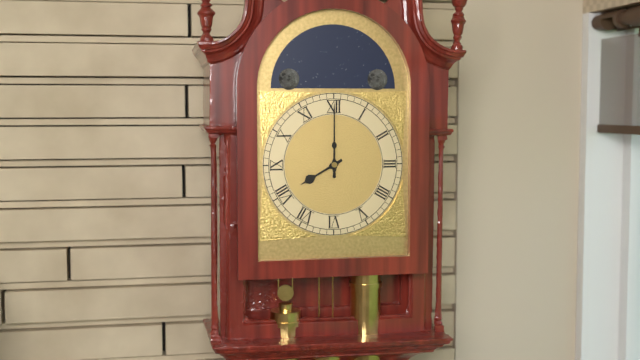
h=8 m=0
